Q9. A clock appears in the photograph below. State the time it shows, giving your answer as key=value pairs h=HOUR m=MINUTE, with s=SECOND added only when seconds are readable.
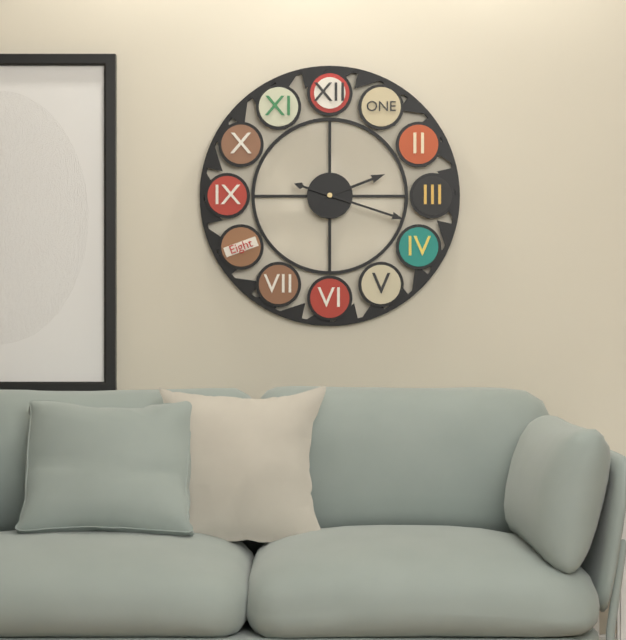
h=2 m=18
